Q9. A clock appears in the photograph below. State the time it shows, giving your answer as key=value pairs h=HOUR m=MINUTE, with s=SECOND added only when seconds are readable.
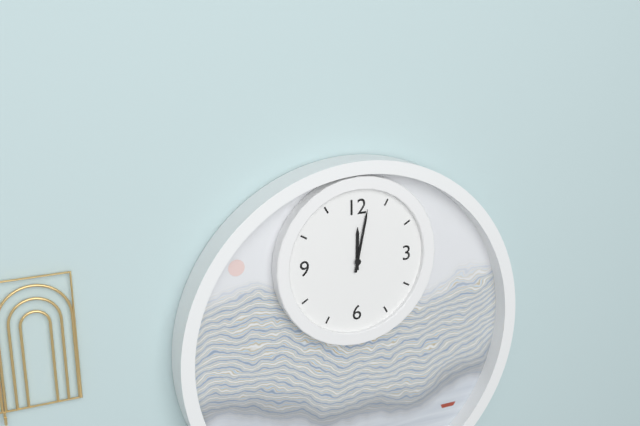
h=12 m=2
